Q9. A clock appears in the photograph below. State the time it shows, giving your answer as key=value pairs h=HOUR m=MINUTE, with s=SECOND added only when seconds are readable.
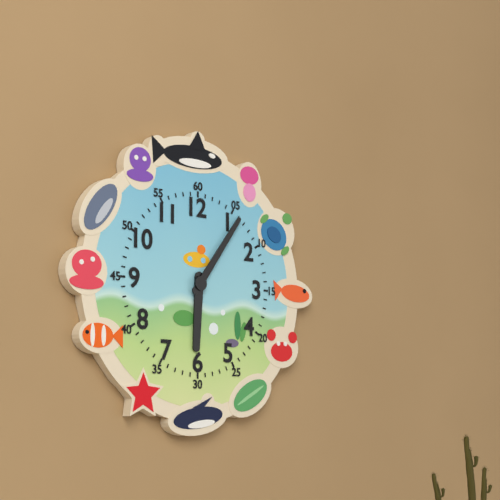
h=6 m=6
